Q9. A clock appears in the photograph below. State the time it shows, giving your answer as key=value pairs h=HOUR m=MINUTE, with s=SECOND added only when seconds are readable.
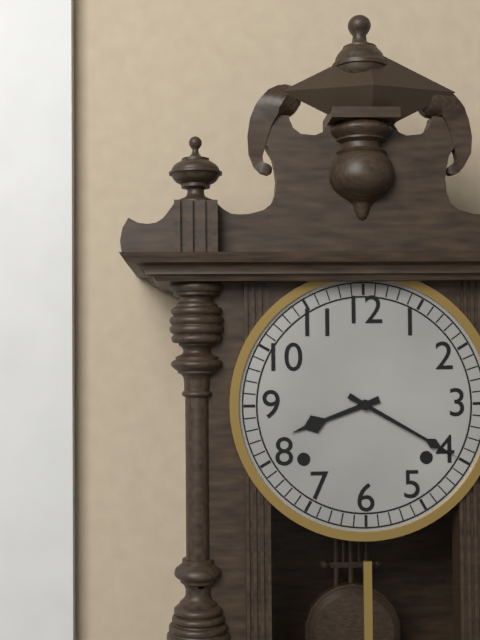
h=8 m=20
